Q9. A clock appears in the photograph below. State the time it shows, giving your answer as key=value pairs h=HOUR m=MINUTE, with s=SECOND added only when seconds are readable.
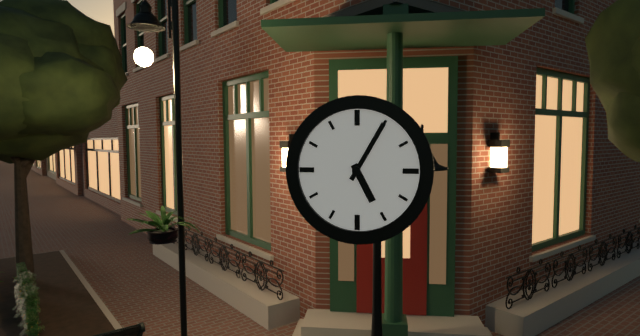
h=5 m=5
